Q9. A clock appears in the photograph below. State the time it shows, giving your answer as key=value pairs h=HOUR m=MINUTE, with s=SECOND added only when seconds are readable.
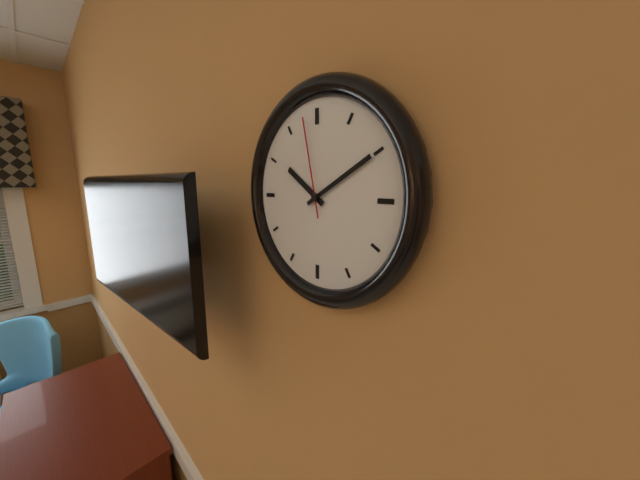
h=10 m=10 s=58
